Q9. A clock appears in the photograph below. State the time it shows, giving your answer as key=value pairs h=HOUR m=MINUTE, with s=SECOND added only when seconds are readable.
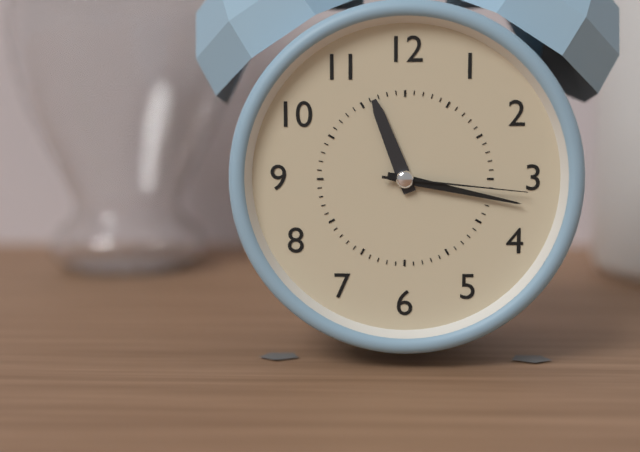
h=11 m=17 s=16
